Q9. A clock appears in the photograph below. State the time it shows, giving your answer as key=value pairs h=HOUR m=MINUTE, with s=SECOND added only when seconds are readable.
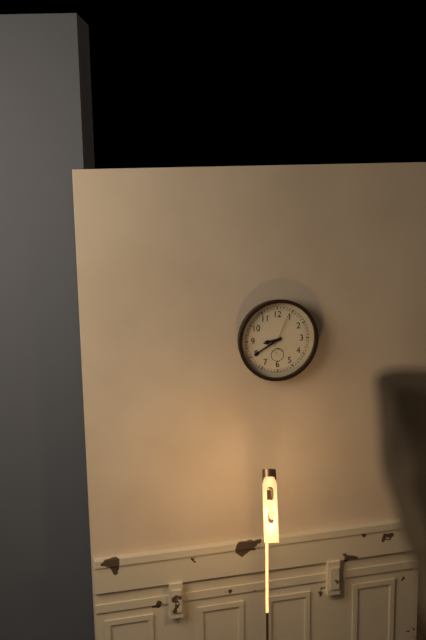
h=8 m=40
